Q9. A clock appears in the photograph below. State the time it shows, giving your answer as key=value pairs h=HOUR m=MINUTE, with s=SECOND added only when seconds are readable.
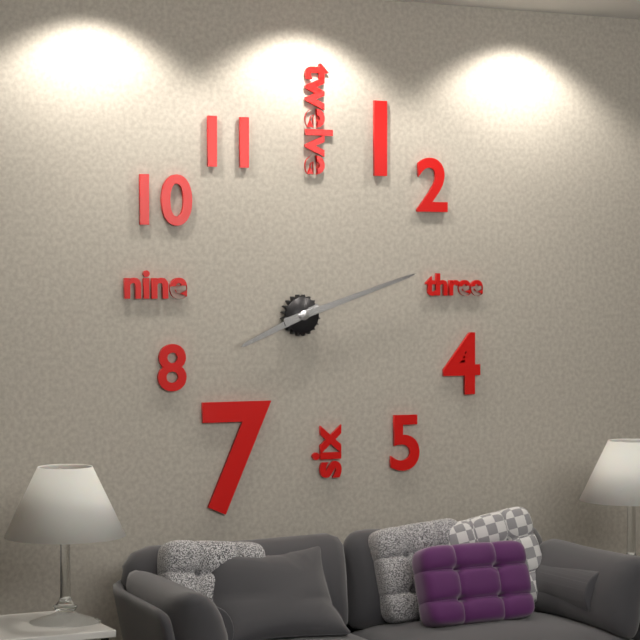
h=8 m=12
